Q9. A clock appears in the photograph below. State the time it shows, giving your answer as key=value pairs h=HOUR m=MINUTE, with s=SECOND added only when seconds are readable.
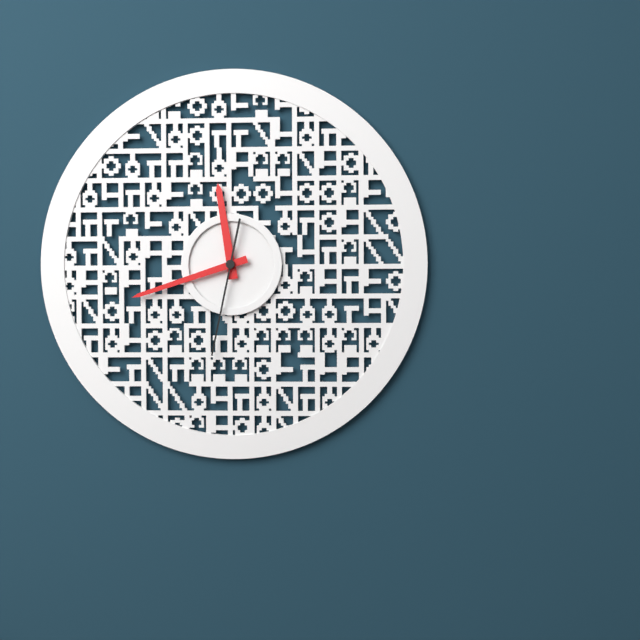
h=11 m=42 s=32
